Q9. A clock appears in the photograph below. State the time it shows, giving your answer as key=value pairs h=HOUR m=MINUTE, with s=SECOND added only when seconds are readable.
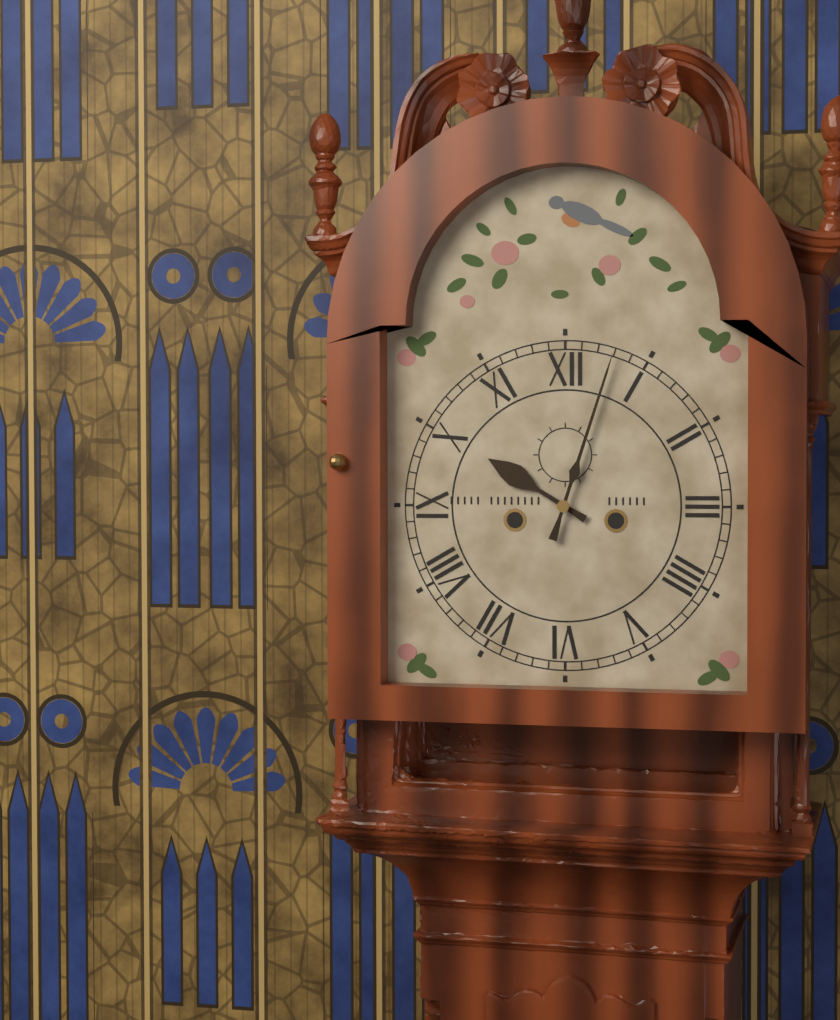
h=10 m=3
